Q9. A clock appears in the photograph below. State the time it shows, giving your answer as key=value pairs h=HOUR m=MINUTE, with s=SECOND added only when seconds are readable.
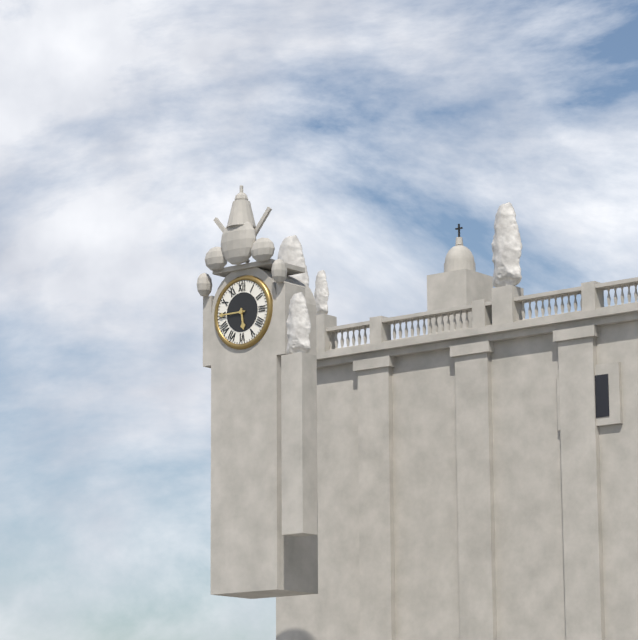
h=5 m=45
